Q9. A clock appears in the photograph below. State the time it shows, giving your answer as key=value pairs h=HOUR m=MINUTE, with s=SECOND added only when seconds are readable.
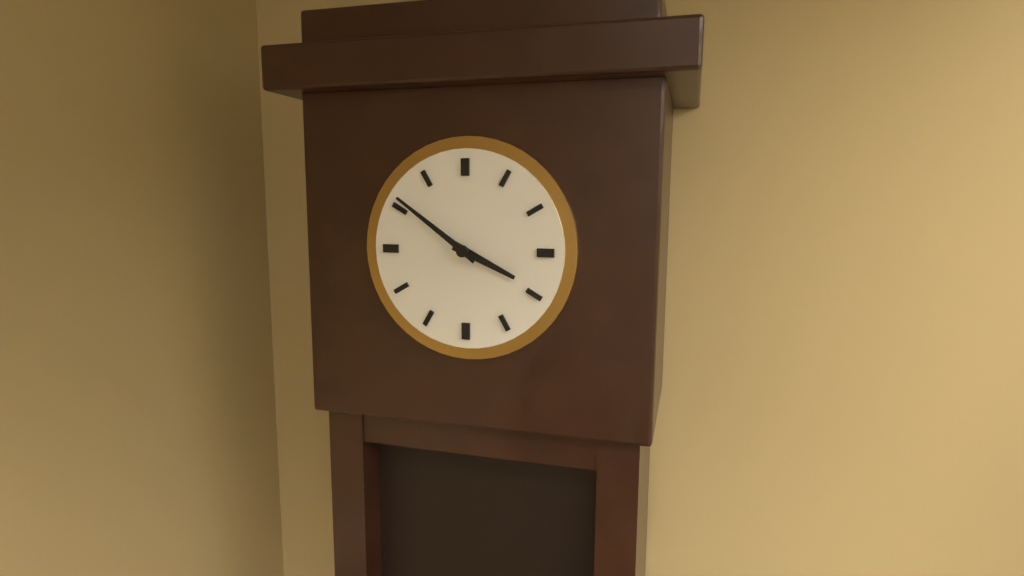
h=3 m=51
